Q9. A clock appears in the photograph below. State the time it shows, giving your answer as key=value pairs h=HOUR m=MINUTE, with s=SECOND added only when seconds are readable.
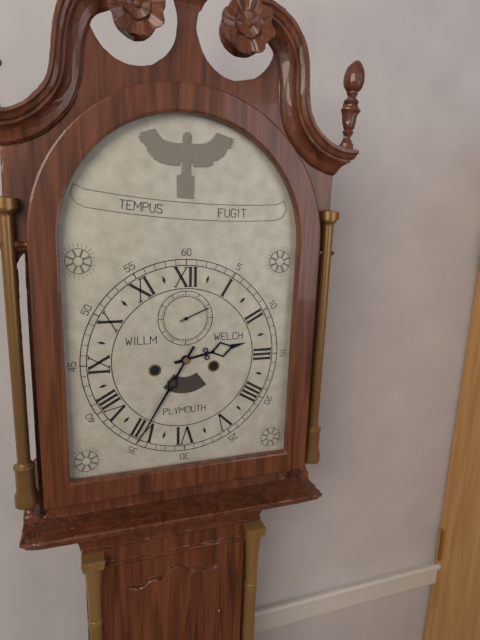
h=2 m=35
